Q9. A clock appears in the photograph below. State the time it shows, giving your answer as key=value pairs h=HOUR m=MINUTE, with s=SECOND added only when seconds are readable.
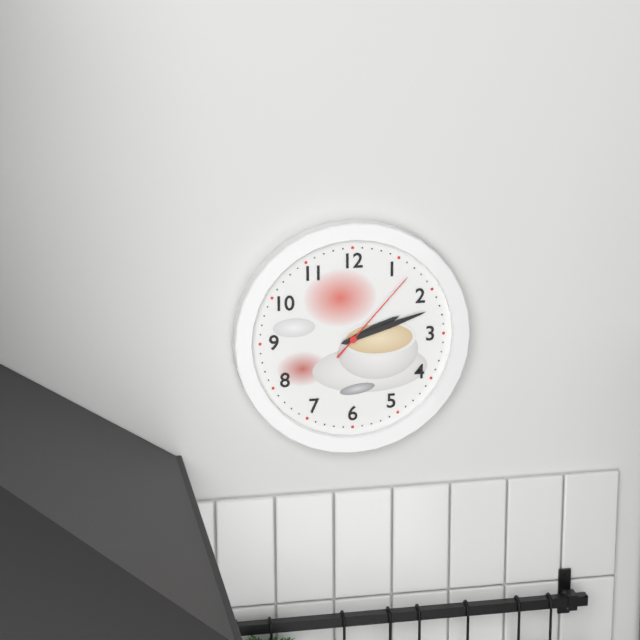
h=2 m=12 s=7
